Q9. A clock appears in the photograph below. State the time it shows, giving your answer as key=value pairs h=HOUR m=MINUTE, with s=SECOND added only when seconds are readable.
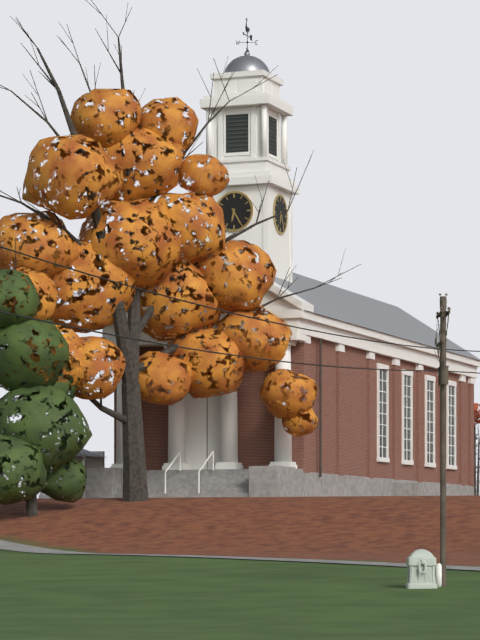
h=6 m=25
